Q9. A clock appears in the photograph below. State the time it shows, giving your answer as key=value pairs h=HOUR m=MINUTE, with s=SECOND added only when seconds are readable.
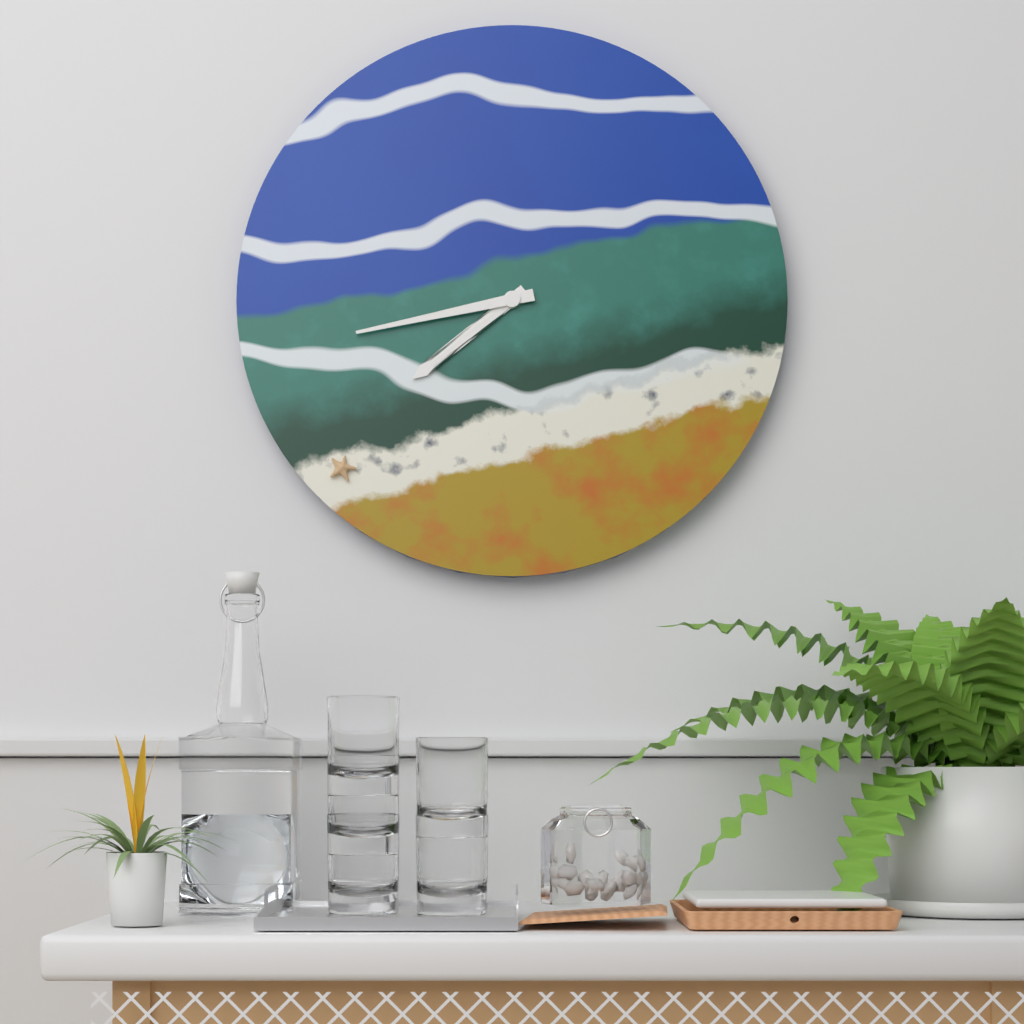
h=7 m=43
